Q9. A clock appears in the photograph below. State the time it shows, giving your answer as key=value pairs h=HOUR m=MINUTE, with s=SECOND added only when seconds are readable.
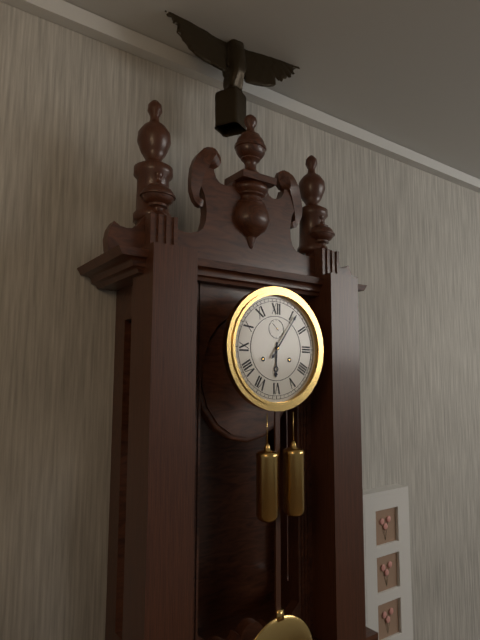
h=6 m=6
